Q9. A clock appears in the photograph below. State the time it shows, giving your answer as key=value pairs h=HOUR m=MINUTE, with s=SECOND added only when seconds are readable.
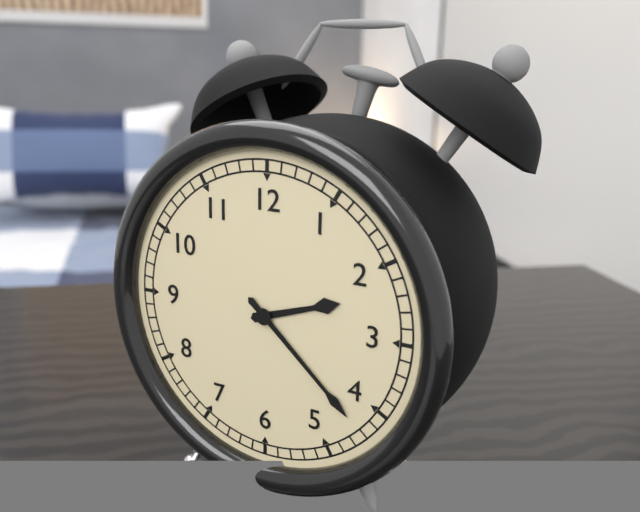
h=2 m=22
